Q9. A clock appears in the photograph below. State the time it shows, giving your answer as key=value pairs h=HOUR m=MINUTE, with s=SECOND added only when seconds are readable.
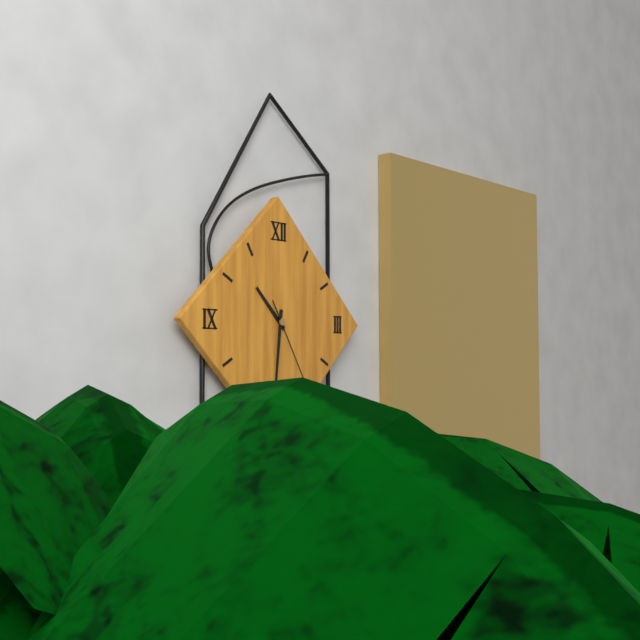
h=10 m=31 s=25
